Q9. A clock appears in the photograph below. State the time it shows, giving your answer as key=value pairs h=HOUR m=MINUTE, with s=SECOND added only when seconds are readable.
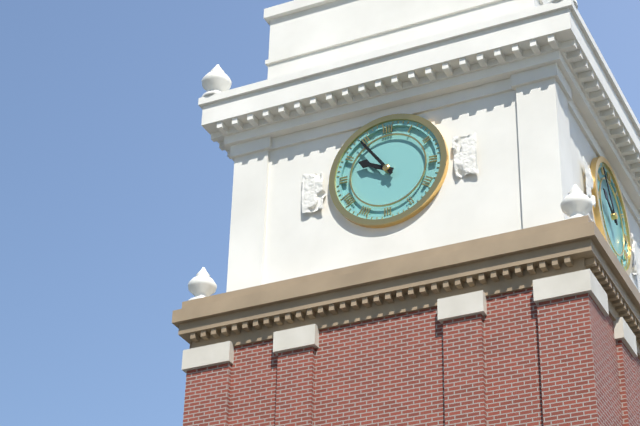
h=9 m=54
